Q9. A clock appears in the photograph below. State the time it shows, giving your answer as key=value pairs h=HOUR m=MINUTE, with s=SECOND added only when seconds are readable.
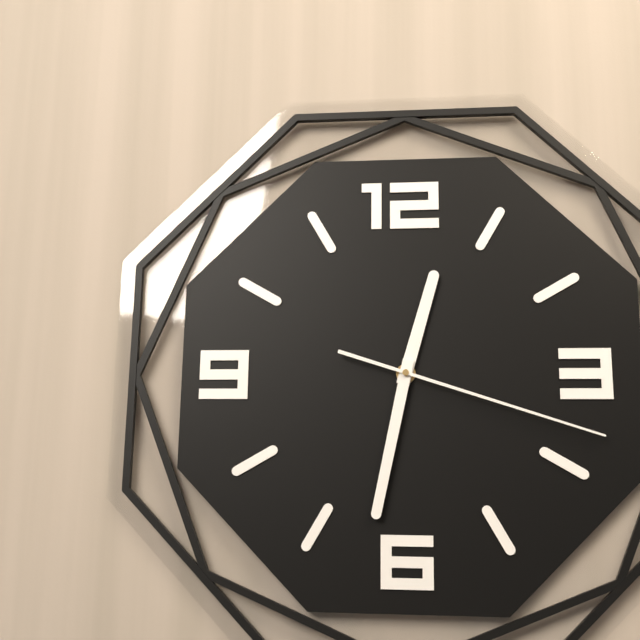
h=12 m=32 s=18
